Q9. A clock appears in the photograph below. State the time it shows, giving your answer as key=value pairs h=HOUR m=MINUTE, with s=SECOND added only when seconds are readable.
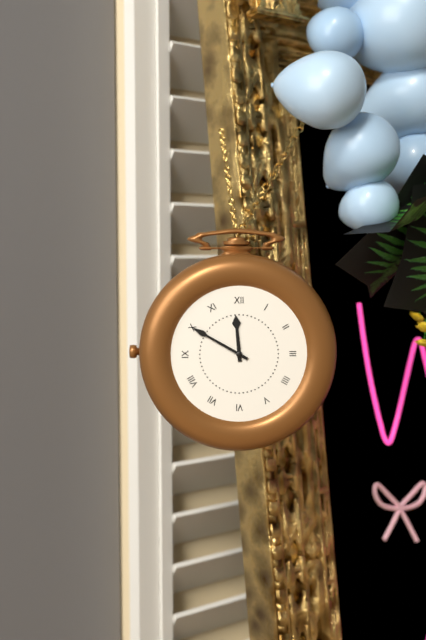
h=11 m=50
